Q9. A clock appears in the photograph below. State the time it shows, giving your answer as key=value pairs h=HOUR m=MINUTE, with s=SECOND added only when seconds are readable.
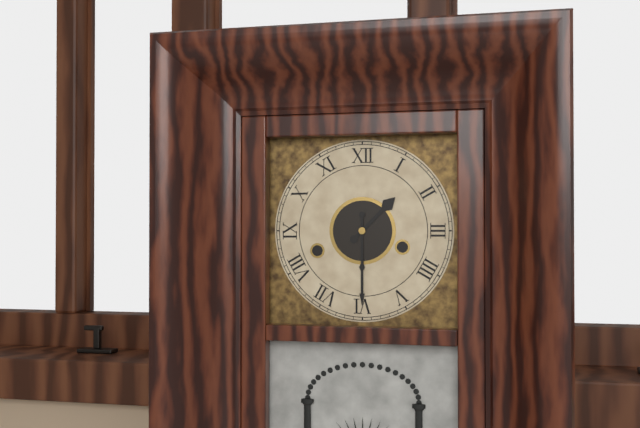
h=1 m=30
